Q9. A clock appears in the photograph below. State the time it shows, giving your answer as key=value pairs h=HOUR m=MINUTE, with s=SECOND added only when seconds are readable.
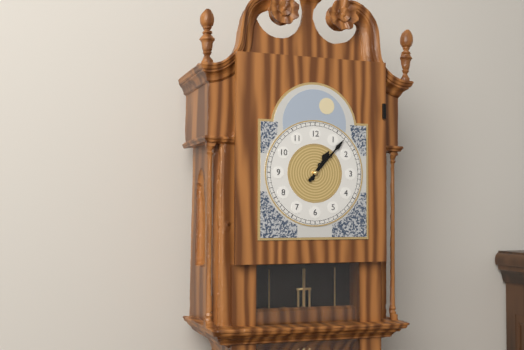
h=1 m=7
